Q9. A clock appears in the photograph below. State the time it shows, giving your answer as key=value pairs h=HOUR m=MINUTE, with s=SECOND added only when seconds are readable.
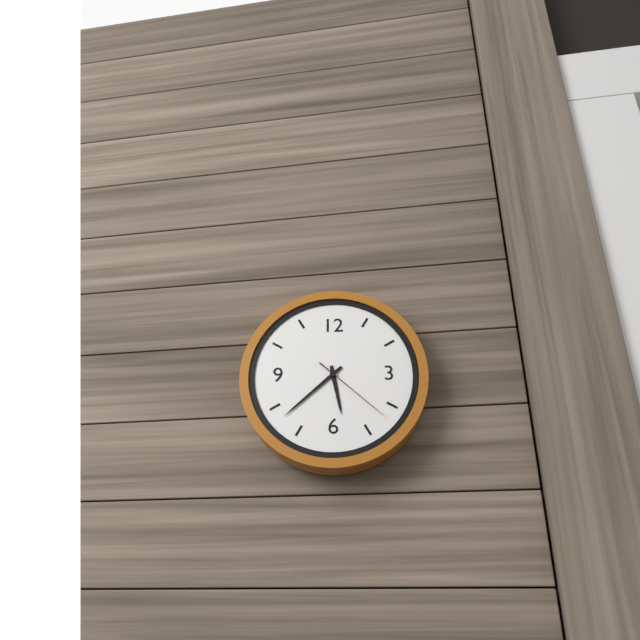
h=5 m=38 s=22
